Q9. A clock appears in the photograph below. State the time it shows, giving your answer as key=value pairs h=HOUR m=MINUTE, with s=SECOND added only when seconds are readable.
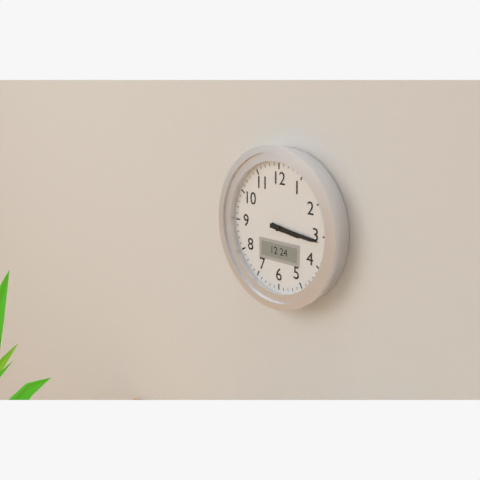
h=3 m=16
